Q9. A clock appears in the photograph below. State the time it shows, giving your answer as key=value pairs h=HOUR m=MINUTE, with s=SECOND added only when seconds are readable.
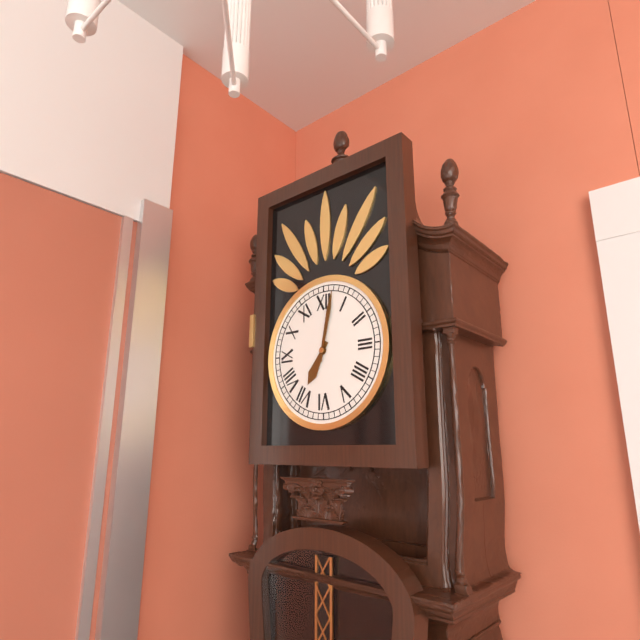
h=7 m=2
